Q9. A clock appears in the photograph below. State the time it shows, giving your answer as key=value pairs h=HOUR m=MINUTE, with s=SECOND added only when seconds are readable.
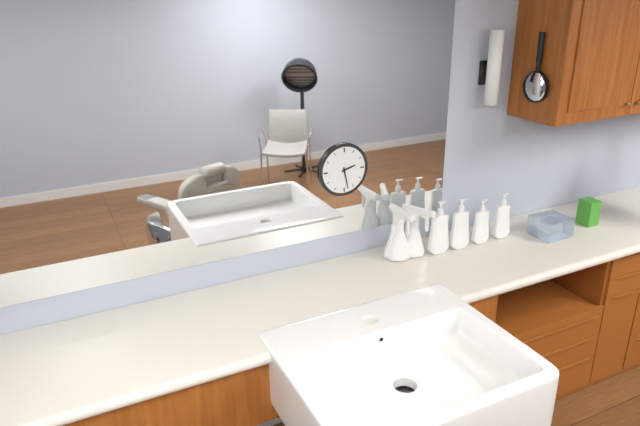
h=2 m=28
